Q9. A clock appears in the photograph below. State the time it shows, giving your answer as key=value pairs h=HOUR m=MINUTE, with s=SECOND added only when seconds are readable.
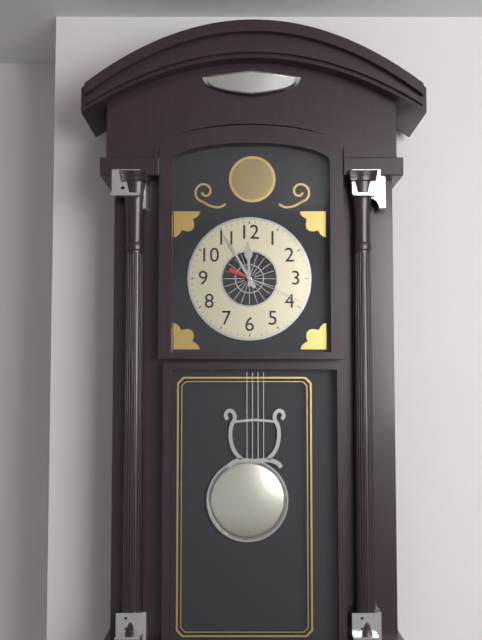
h=11 m=55 s=19
